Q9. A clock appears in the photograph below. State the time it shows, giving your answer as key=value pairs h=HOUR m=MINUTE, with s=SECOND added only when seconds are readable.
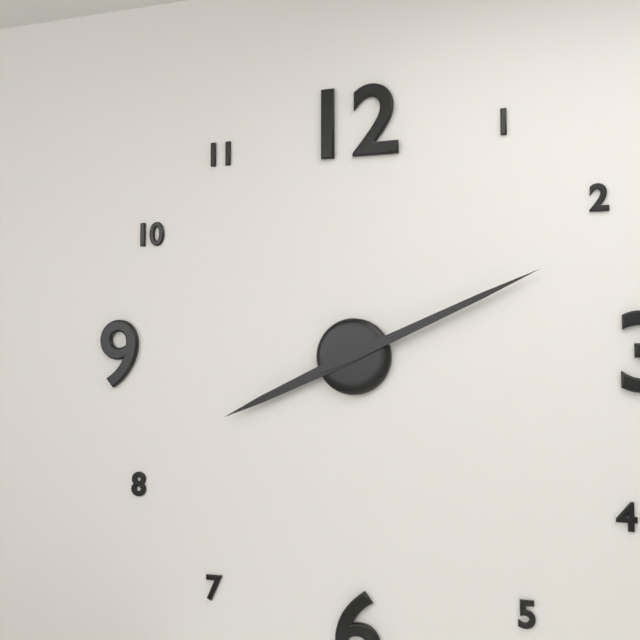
h=8 m=11
